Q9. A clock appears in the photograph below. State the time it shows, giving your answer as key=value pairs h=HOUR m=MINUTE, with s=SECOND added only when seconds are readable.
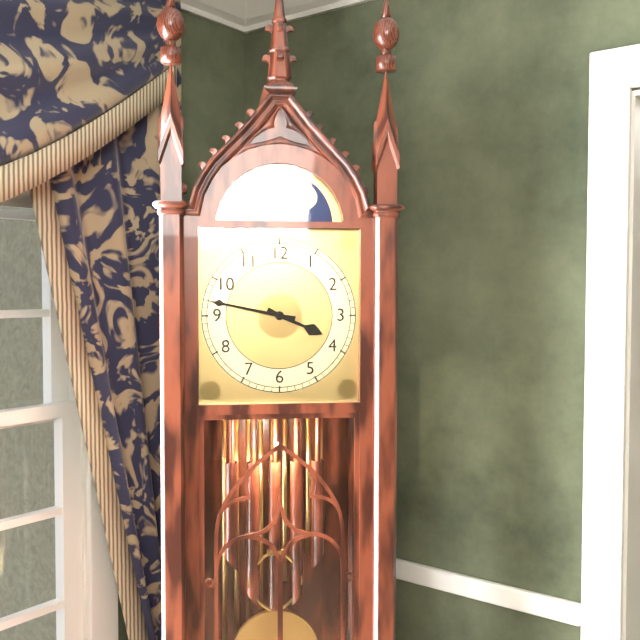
h=3 m=47
